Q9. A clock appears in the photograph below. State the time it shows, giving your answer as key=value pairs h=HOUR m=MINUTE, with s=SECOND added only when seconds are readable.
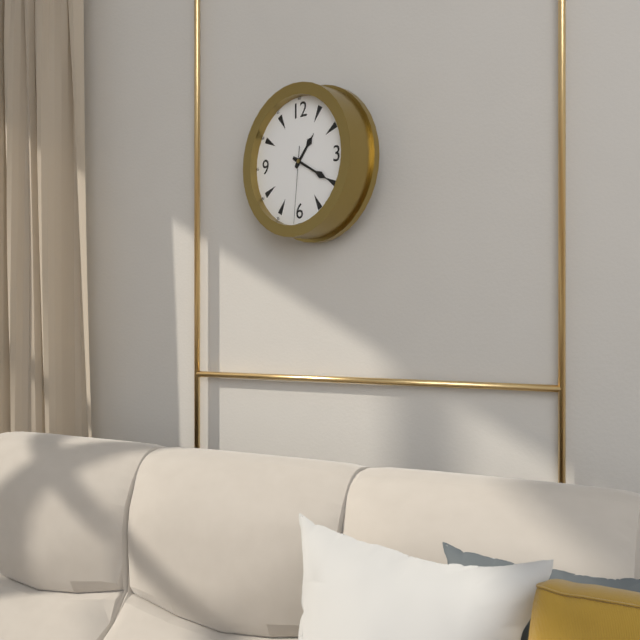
h=1 m=20 s=31
